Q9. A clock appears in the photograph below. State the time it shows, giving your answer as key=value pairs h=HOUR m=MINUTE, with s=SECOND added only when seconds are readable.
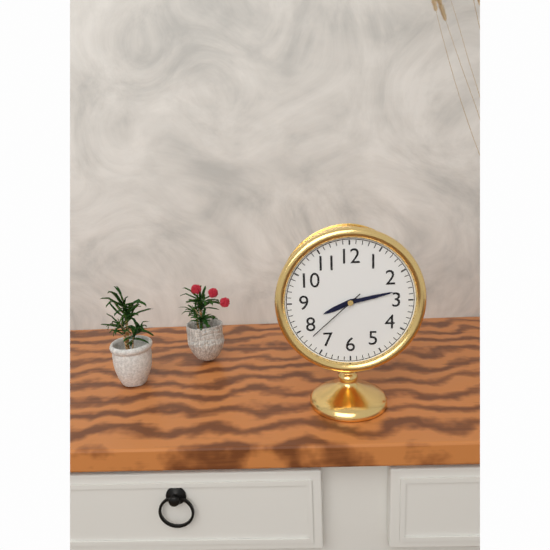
h=8 m=13 s=38
